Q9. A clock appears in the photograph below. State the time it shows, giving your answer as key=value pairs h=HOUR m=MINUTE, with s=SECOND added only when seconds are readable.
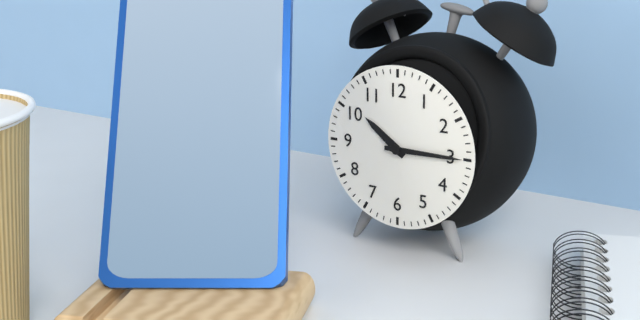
h=10 m=15
